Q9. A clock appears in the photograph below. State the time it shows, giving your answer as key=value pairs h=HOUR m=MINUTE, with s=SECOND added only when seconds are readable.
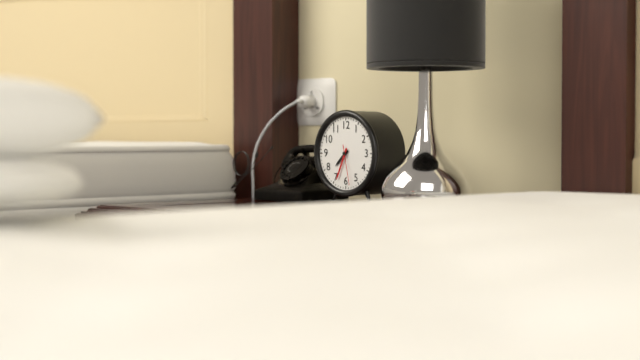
h=7 m=34
